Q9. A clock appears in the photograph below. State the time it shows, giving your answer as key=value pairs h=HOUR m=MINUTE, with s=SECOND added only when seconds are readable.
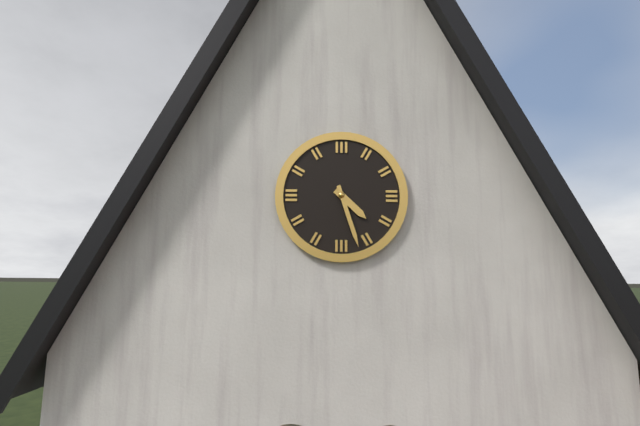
h=4 m=27
